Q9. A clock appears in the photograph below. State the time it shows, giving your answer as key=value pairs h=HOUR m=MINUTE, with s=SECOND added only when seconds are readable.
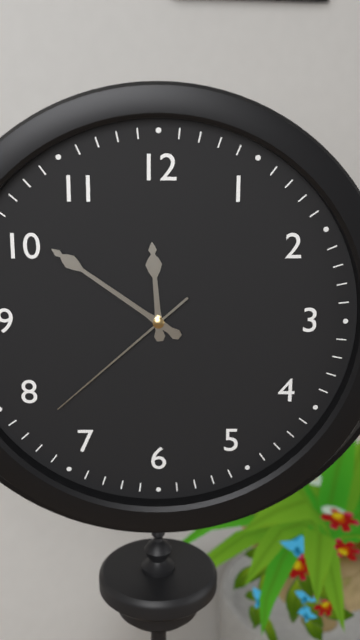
h=11 m=51 s=38
